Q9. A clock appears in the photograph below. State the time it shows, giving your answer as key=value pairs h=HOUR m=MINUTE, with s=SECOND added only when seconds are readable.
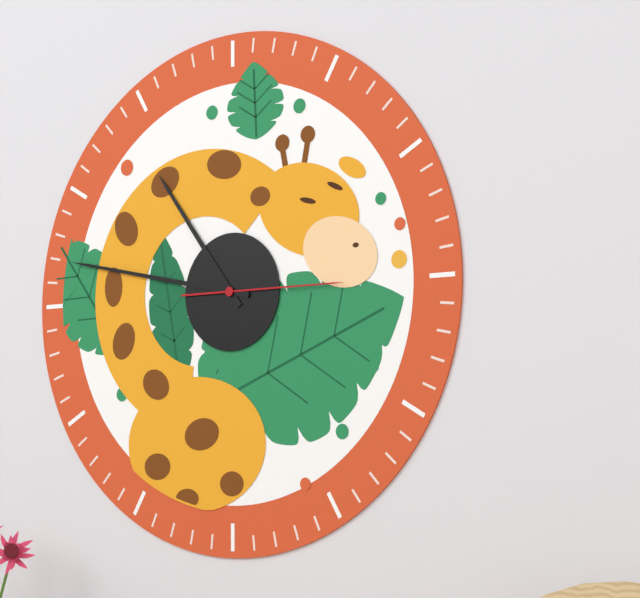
h=10 m=47 s=15
